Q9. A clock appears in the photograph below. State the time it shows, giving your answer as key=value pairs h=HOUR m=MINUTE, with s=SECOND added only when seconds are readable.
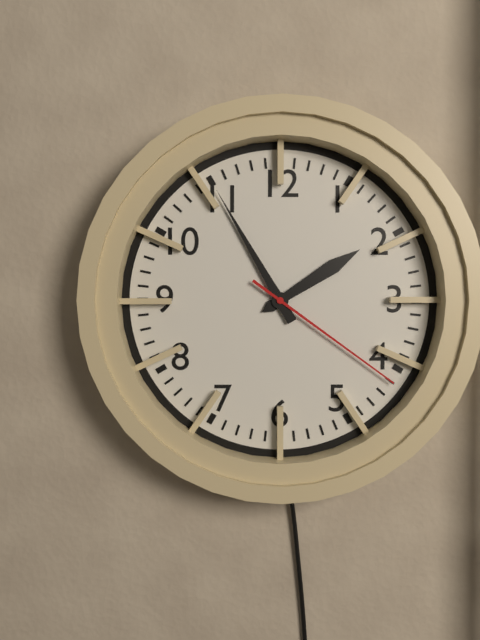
h=1 m=55 s=21
